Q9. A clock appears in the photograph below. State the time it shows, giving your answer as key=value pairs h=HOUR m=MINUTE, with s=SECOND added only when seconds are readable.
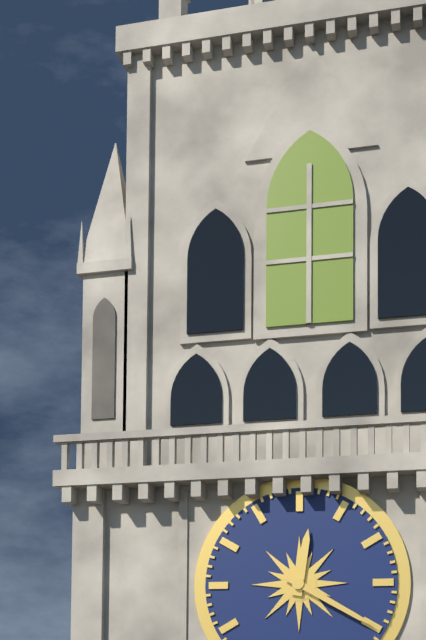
h=12 m=20
